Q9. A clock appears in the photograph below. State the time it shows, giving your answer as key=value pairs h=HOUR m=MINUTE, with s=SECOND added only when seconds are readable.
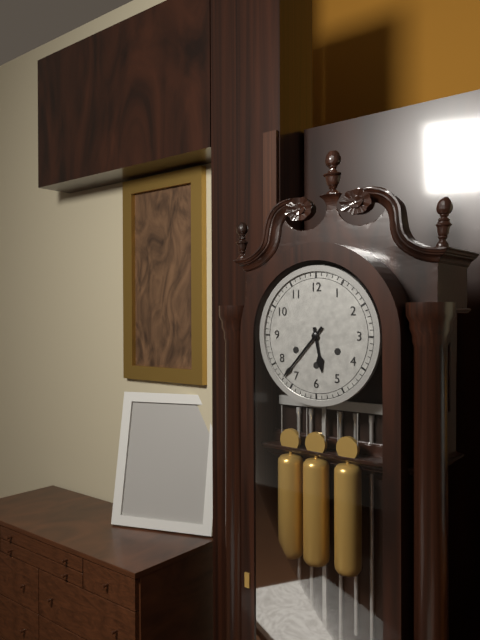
h=5 m=37
